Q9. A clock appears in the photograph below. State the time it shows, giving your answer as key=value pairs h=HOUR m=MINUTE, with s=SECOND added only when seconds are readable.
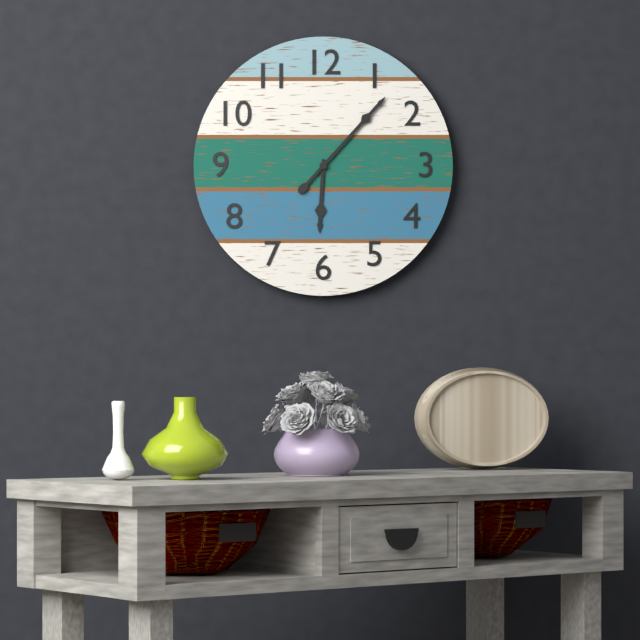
h=6 m=7
